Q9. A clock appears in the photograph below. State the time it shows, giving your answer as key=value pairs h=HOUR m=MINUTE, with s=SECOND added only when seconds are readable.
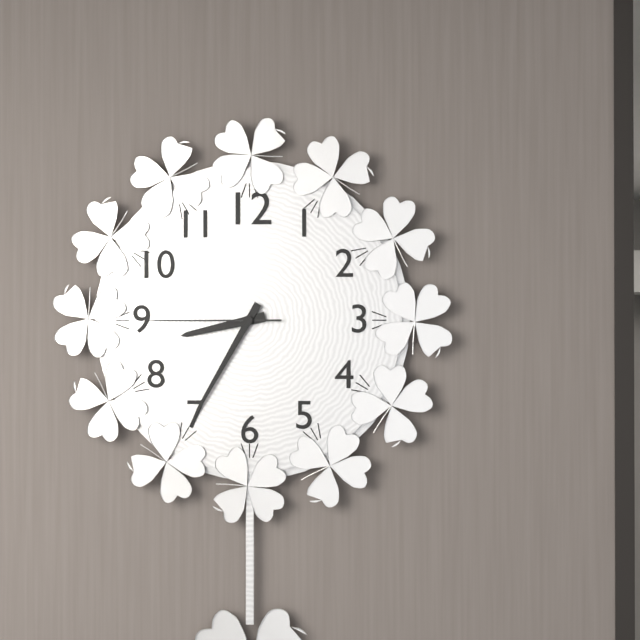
h=8 m=35 s=45
